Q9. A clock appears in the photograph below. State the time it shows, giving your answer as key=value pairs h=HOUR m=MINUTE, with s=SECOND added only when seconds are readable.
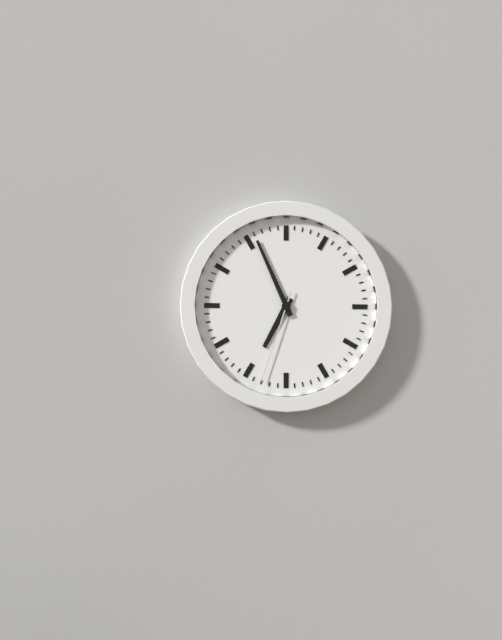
h=6 m=56 s=33
